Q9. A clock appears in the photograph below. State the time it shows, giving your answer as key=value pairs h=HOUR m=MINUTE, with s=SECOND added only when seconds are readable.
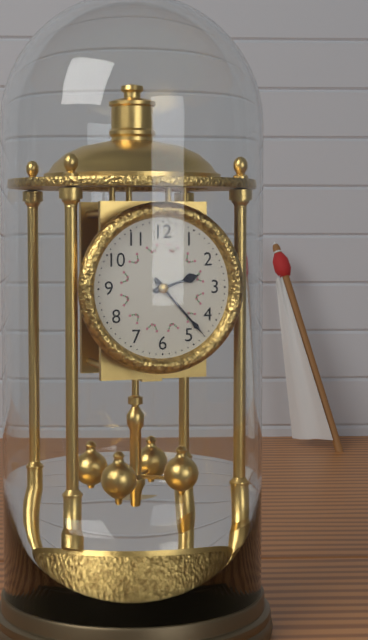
h=2 m=23
